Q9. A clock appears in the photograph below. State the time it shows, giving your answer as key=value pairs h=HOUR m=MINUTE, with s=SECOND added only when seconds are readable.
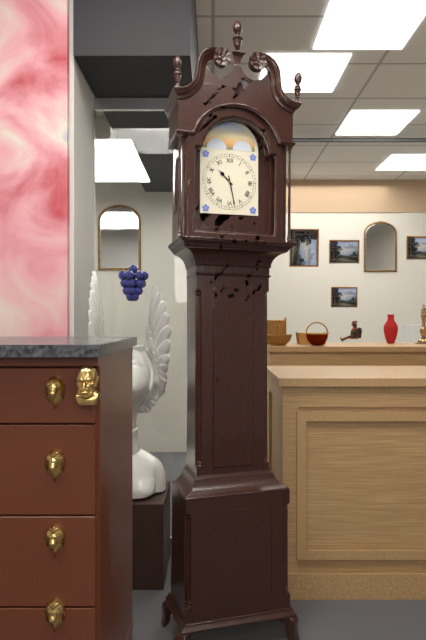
h=10 m=28
